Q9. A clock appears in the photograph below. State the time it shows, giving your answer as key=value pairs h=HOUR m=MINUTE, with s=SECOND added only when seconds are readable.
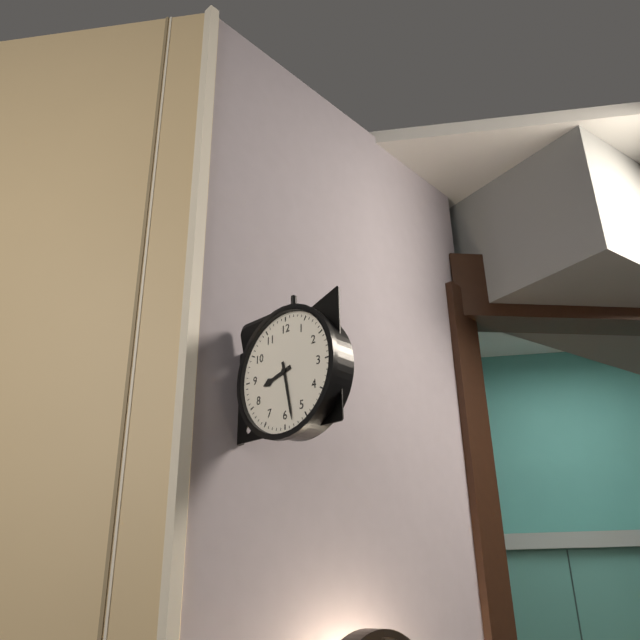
h=8 m=28
